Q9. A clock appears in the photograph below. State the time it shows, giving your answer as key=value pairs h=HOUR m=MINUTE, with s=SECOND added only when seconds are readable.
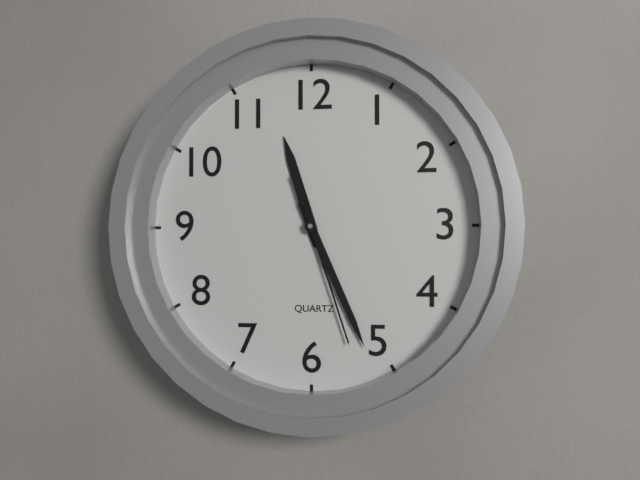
h=11 m=26 s=27
